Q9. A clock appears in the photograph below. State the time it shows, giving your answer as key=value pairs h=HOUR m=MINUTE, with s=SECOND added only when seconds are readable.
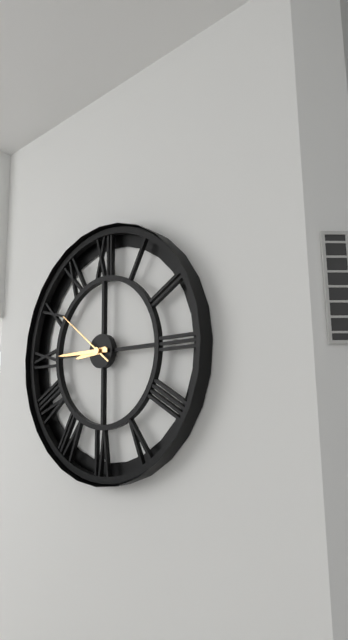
h=8 m=45 s=51
